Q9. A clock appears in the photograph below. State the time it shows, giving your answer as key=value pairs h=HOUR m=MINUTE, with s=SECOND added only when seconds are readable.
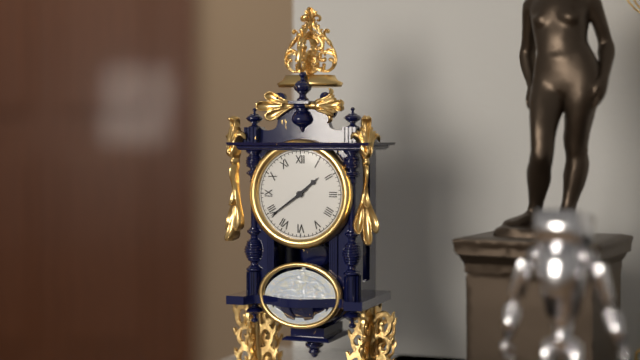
h=1 m=39
